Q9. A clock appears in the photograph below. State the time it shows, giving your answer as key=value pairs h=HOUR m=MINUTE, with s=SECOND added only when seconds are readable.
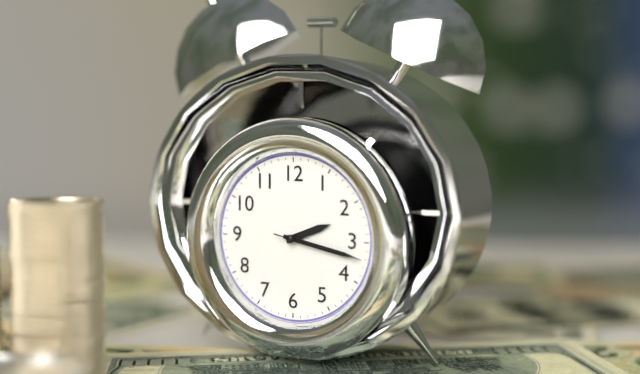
h=2 m=17 s=17
